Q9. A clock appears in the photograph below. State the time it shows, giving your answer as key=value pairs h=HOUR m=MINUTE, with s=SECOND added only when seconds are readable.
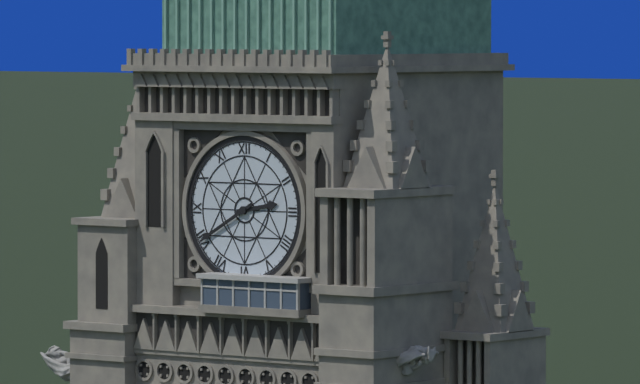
h=2 m=40
